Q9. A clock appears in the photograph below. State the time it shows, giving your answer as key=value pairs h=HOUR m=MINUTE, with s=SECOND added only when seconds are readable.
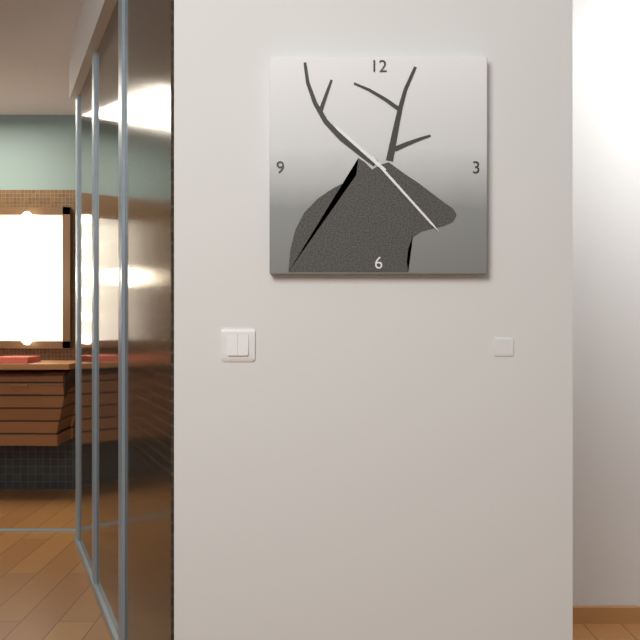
h=10 m=23
